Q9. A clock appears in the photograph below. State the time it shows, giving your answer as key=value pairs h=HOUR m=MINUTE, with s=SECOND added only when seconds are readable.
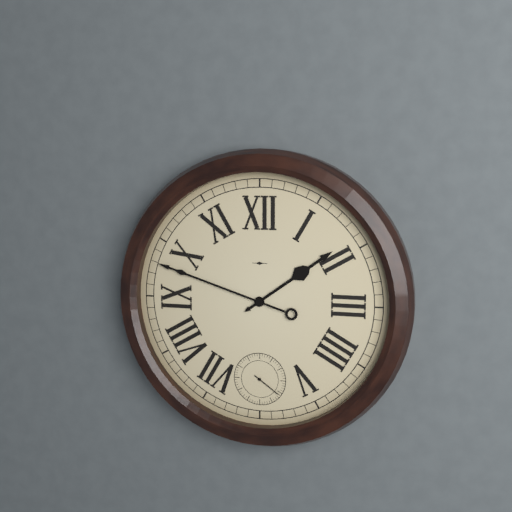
h=1 m=48
